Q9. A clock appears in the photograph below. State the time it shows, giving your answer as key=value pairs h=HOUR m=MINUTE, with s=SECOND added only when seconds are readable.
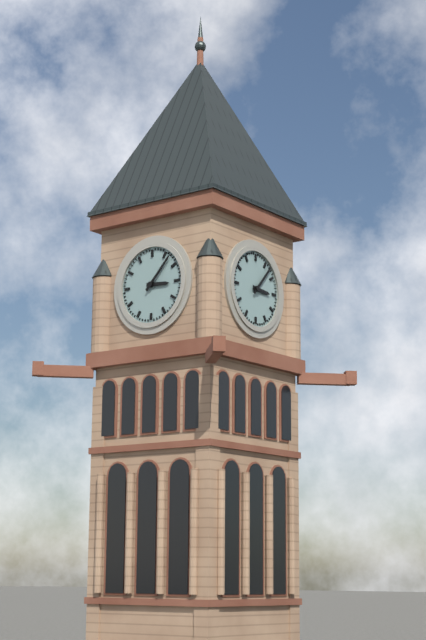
h=3 m=7
